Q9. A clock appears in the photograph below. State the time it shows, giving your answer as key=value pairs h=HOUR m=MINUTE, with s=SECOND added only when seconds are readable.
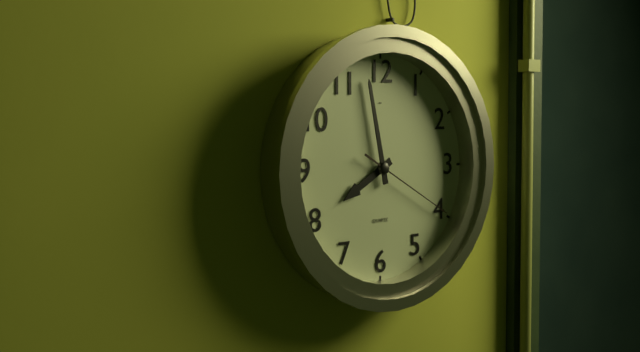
h=7 m=58 s=20
